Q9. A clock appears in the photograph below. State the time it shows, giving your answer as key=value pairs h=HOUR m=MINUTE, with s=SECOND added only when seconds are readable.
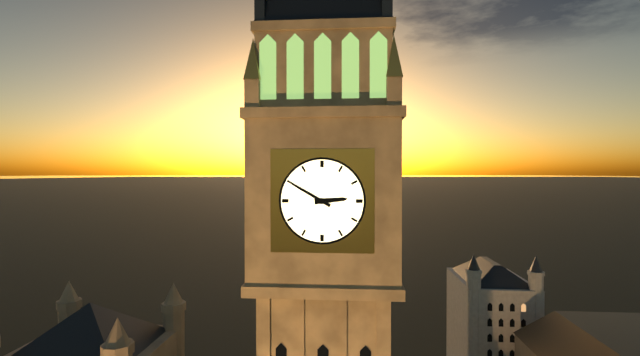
h=2 m=50
